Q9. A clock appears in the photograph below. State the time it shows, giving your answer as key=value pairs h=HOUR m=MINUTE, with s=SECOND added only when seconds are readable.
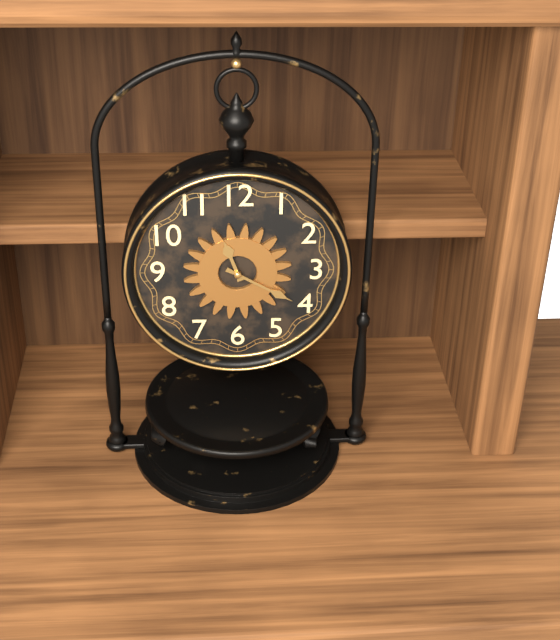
h=11 m=20
